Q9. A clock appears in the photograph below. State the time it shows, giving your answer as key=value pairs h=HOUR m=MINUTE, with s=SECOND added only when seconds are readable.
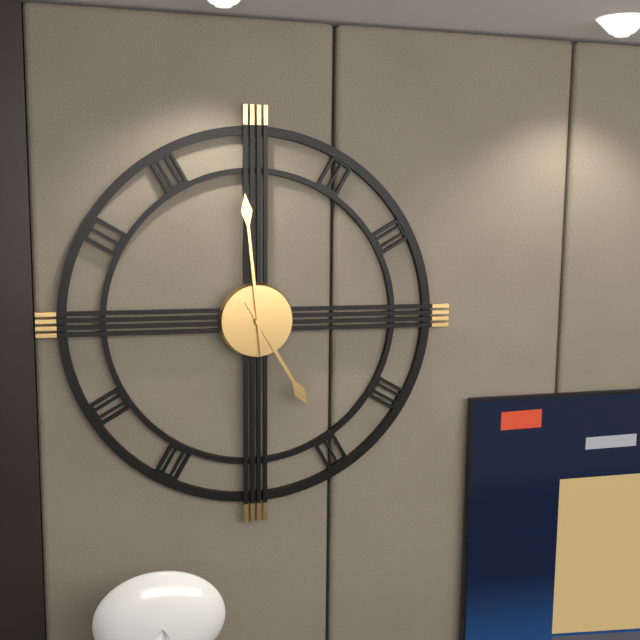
h=4 m=59
